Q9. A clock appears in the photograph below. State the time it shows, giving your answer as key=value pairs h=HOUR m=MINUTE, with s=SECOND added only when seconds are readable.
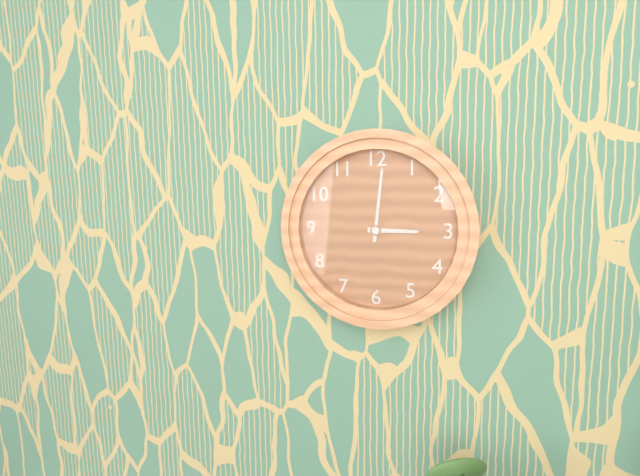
h=3 m=1
